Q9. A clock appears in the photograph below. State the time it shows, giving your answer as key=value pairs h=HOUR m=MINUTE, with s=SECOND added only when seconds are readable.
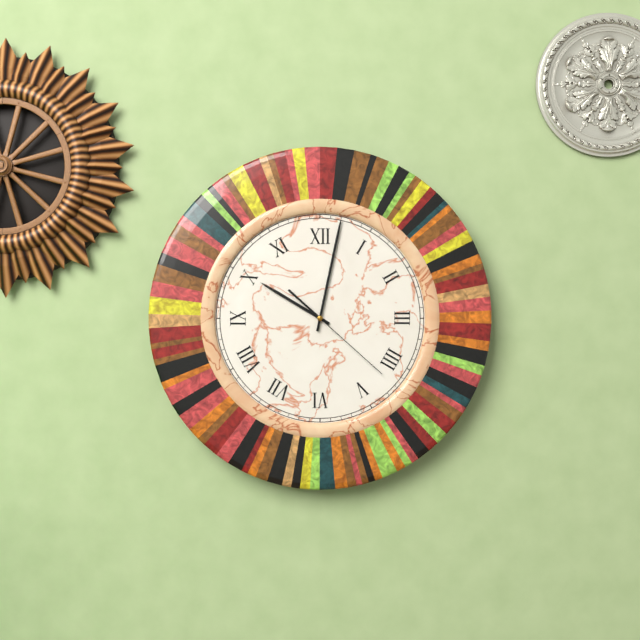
h=10 m=2 s=22
